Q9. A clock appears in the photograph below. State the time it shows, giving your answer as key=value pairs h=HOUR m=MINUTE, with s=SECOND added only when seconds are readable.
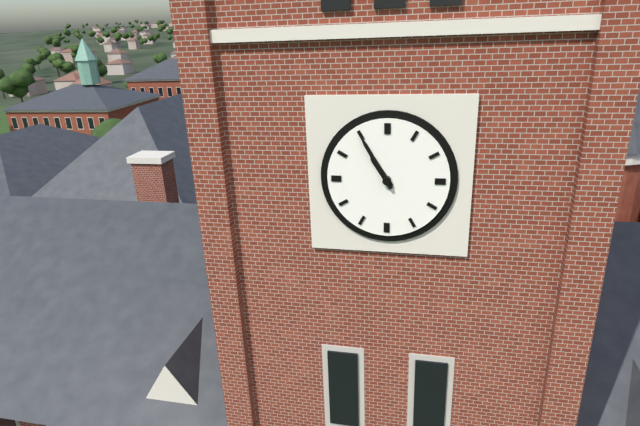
h=10 m=55
